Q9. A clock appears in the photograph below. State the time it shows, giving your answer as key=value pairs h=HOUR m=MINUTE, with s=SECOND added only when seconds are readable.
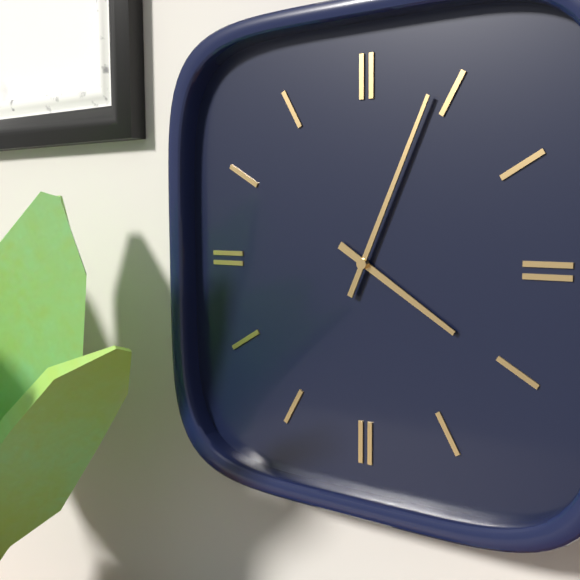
h=4 m=4
